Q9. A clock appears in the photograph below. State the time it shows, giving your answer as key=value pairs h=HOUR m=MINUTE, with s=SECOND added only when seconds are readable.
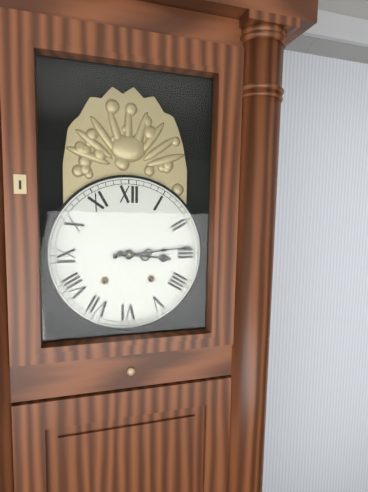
h=3 m=14
